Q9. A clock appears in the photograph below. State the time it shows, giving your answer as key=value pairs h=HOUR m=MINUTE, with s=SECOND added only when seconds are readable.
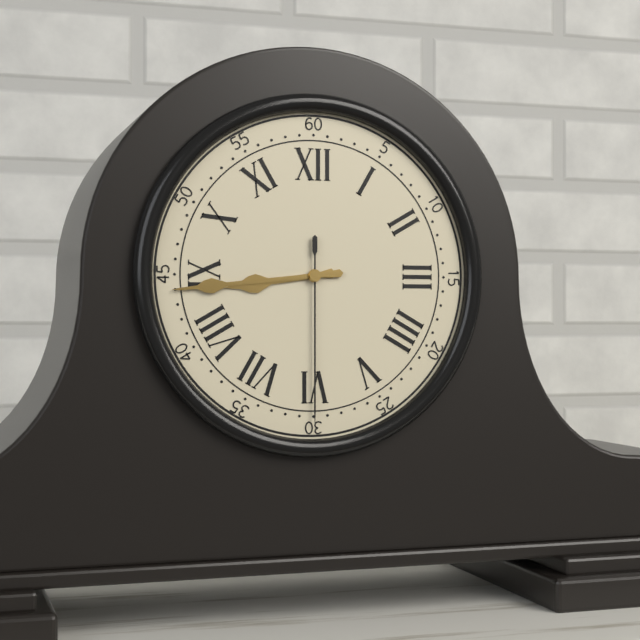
h=8 m=44 s=30
